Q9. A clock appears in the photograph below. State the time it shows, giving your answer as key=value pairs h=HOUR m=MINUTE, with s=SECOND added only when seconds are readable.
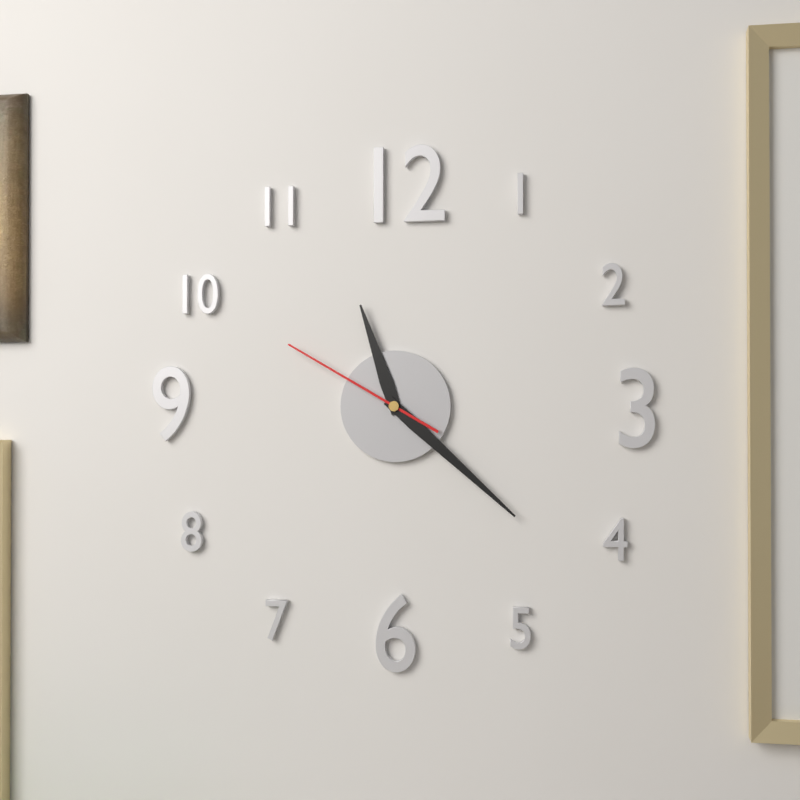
h=11 m=22 s=50
